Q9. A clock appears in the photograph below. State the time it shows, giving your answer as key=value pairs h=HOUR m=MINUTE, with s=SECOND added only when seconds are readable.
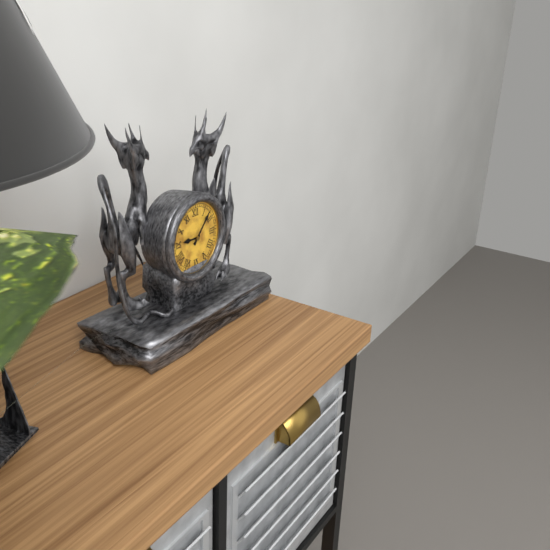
h=9 m=7
